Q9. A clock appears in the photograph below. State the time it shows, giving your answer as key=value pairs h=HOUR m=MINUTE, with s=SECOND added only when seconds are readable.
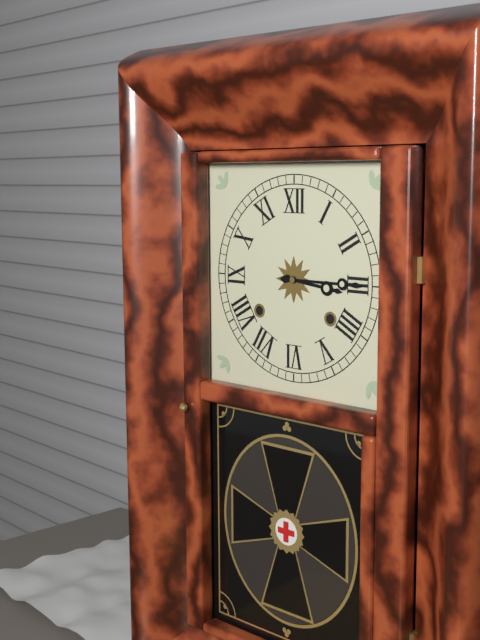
h=3 m=15
